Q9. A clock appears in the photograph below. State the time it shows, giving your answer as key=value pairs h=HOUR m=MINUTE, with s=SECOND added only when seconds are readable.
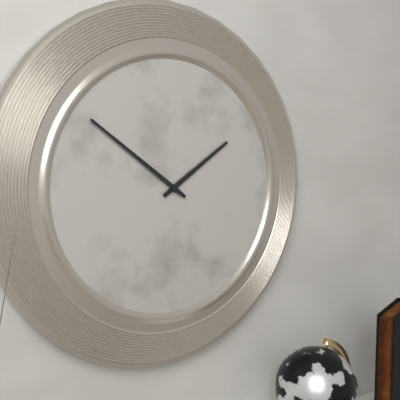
h=1 m=51
